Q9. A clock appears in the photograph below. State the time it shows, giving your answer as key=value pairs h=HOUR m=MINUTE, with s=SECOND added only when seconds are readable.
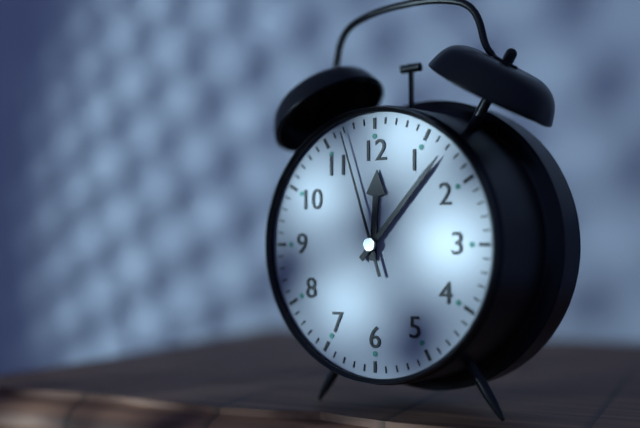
h=12 m=7 s=57
